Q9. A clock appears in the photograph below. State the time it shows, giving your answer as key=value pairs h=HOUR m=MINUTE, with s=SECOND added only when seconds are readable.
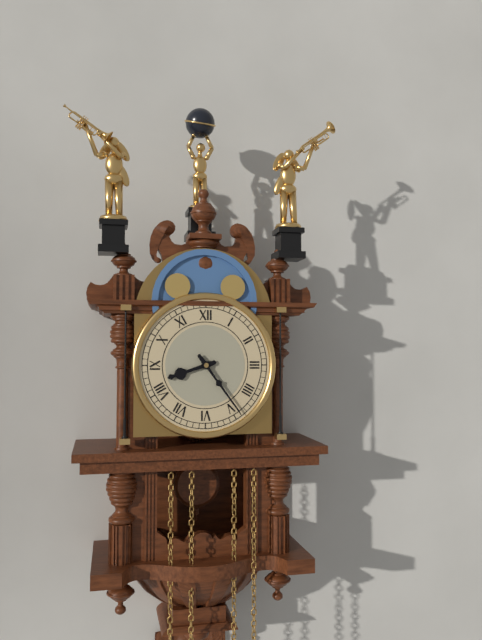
h=8 m=24
